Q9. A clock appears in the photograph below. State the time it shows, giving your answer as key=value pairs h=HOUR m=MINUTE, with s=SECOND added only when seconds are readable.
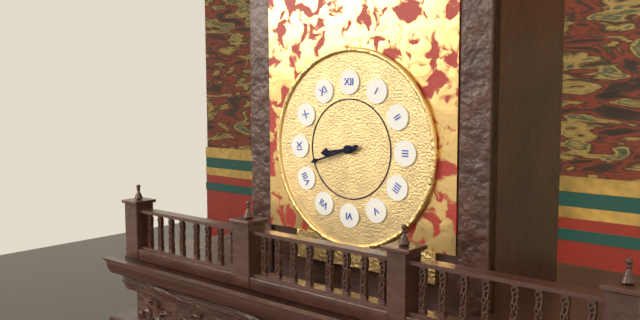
h=8 m=42
